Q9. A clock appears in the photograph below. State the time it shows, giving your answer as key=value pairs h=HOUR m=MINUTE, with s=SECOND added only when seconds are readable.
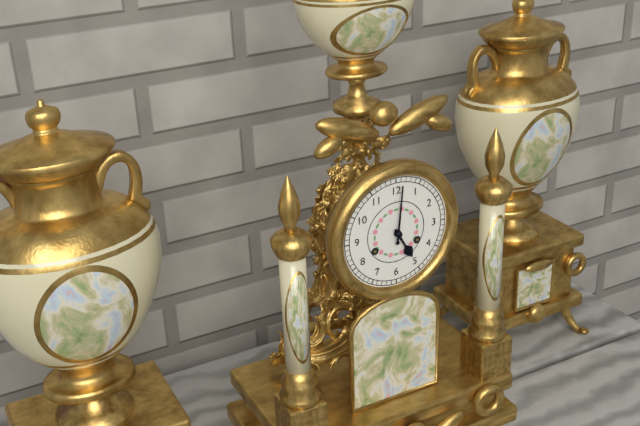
h=5 m=1
